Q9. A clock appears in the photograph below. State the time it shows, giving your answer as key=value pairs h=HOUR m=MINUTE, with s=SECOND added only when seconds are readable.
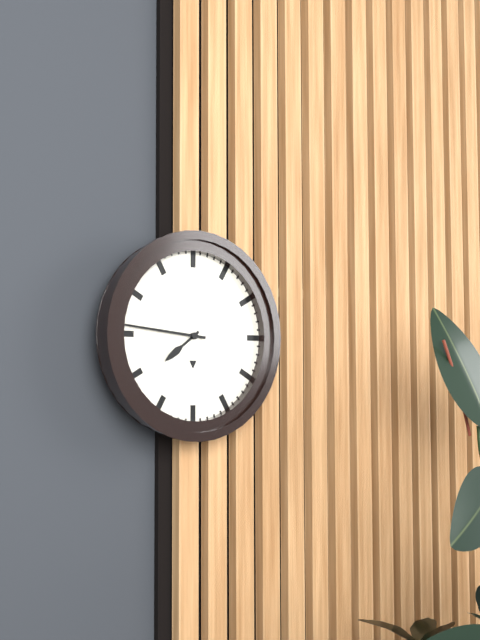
h=7 m=46
